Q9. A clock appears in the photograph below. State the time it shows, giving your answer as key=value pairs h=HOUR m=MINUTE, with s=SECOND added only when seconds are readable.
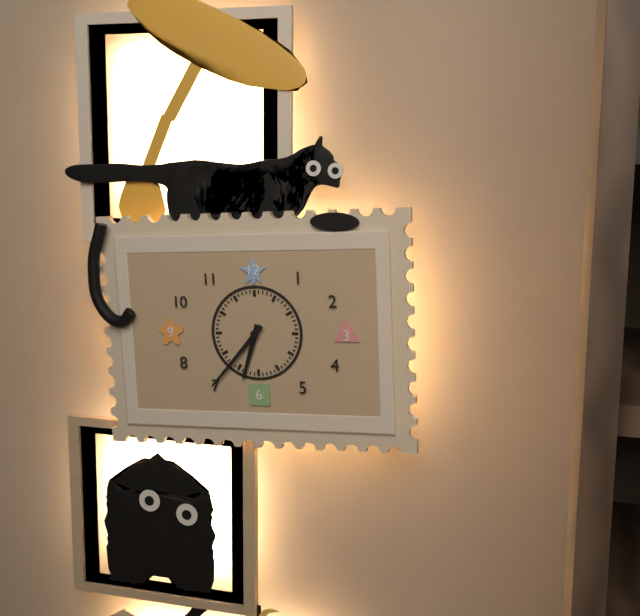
h=6 m=37
